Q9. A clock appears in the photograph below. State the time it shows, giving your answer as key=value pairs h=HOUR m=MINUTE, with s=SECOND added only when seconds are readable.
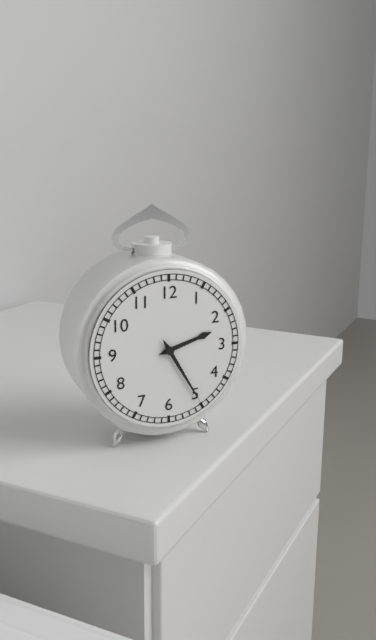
h=2 m=25
